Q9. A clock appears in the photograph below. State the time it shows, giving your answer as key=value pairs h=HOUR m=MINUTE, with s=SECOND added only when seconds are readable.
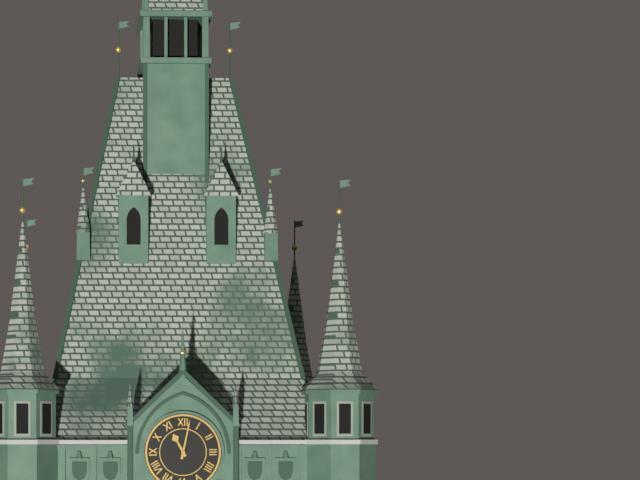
h=11 m=2
